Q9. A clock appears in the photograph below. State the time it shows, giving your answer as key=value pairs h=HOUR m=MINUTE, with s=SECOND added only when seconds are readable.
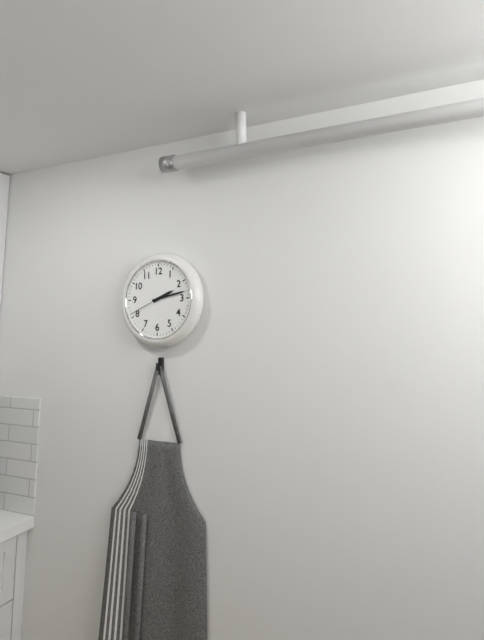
h=2 m=13
